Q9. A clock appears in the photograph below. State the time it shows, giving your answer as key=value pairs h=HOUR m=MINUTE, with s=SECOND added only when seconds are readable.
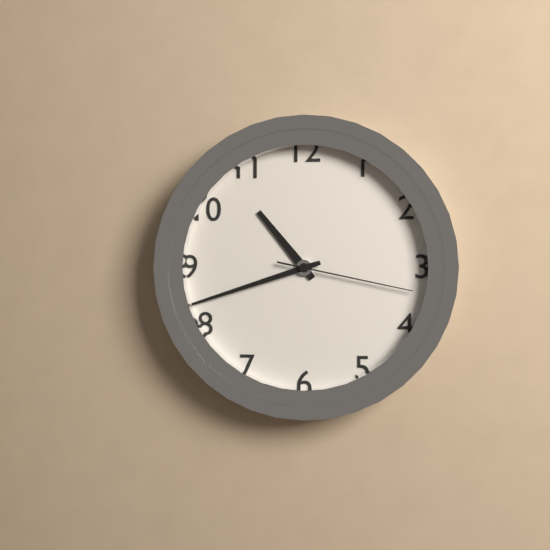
h=10 m=42 s=17
